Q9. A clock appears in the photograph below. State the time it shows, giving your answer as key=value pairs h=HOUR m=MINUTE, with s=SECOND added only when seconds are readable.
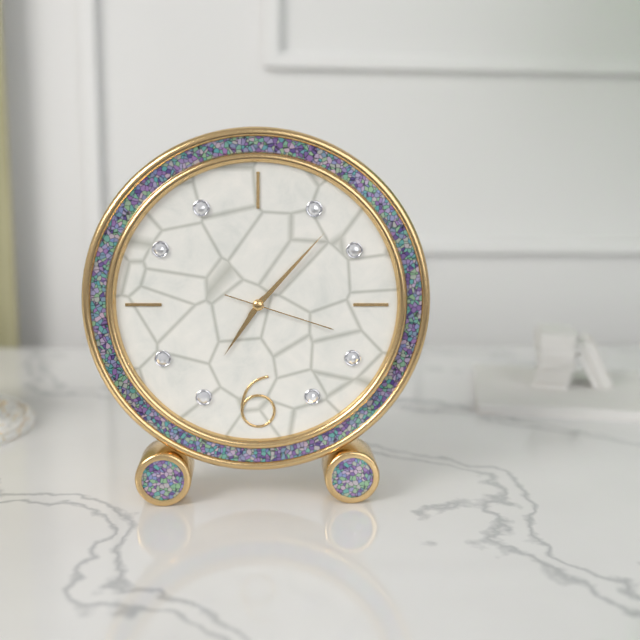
h=7 m=7 s=18
